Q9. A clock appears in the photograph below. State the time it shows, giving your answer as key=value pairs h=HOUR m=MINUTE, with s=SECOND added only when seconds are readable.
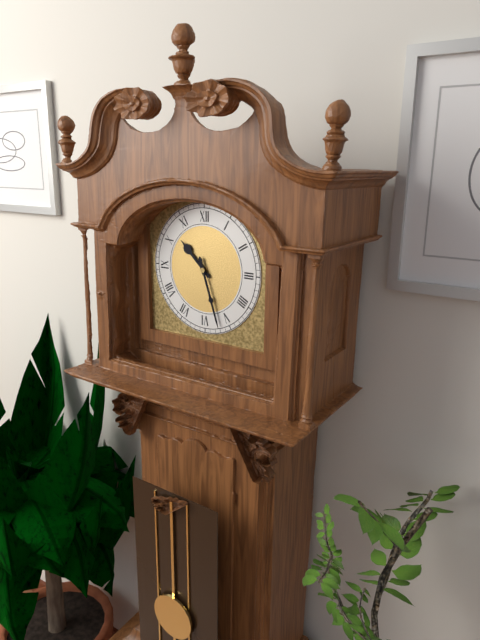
h=10 m=27
